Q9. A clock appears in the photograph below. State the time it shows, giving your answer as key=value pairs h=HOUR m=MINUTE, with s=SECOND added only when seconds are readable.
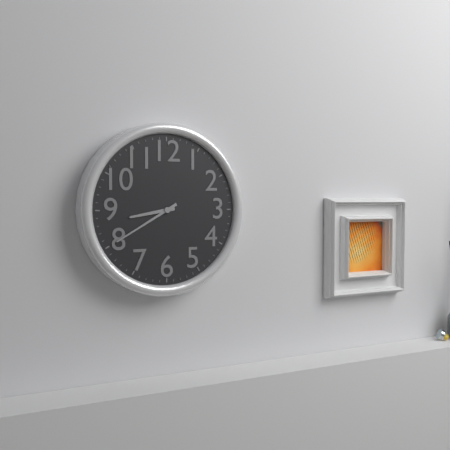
h=8 m=40
